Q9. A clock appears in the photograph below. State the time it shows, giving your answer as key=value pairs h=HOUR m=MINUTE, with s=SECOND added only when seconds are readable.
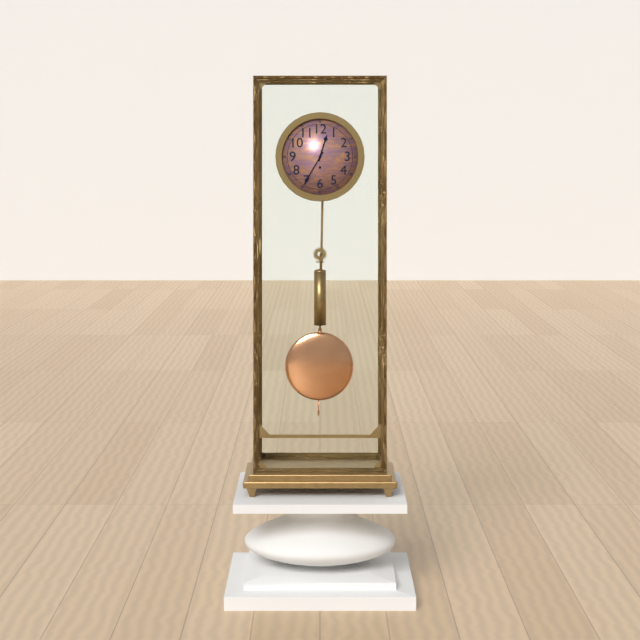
h=12 m=35
